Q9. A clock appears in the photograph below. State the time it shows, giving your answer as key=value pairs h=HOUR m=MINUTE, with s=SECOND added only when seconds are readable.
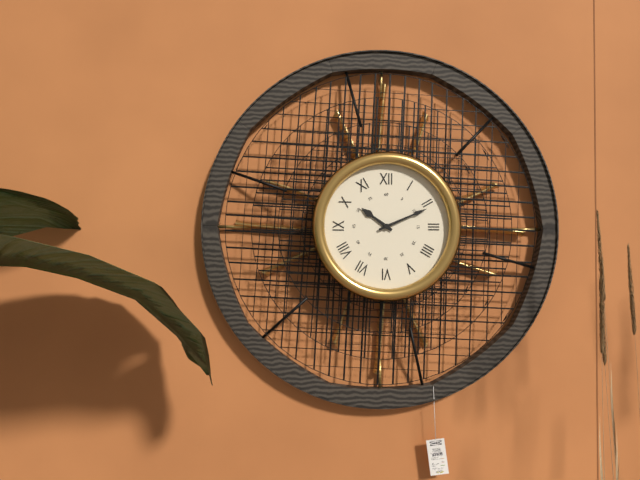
h=10 m=11
